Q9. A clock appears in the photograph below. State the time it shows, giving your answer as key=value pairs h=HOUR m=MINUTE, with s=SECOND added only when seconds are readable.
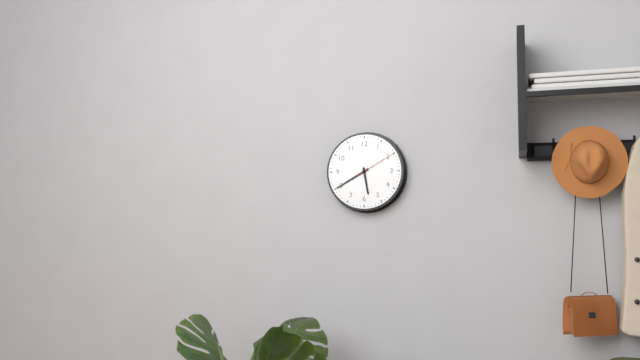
h=5 m=40
